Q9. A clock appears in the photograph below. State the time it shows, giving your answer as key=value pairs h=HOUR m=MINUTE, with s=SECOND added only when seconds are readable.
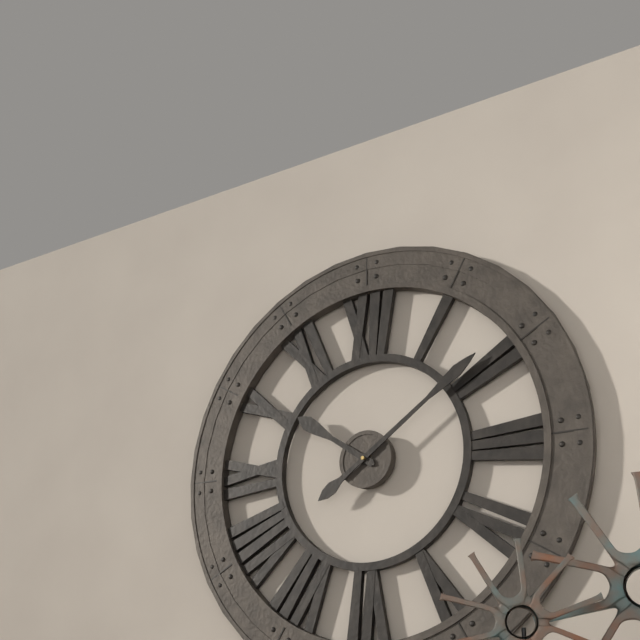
h=10 m=9
